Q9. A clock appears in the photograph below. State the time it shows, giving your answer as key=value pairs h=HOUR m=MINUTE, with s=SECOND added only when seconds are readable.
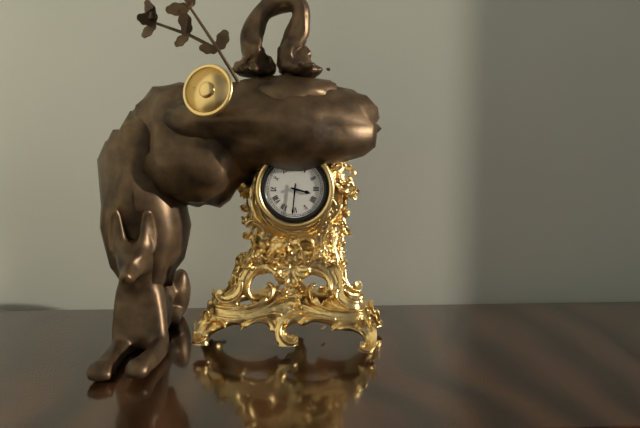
h=3 m=31
